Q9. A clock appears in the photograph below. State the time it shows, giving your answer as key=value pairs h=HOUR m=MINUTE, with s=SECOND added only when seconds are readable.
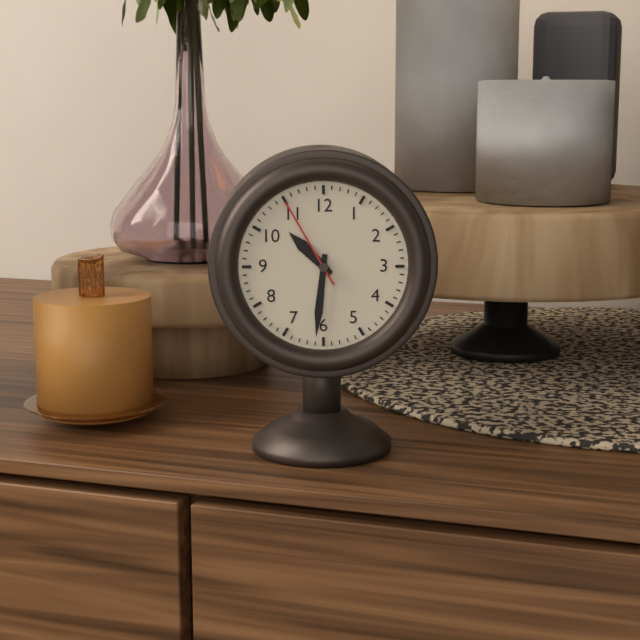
h=10 m=31 s=55
